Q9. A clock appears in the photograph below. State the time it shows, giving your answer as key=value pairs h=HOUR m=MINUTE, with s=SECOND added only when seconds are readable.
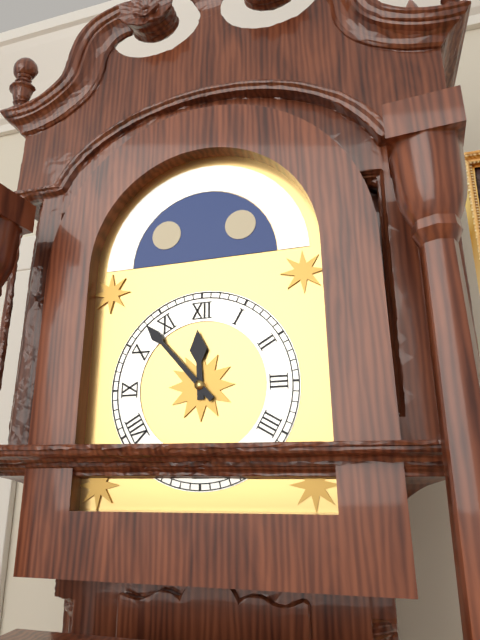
h=11 m=53
